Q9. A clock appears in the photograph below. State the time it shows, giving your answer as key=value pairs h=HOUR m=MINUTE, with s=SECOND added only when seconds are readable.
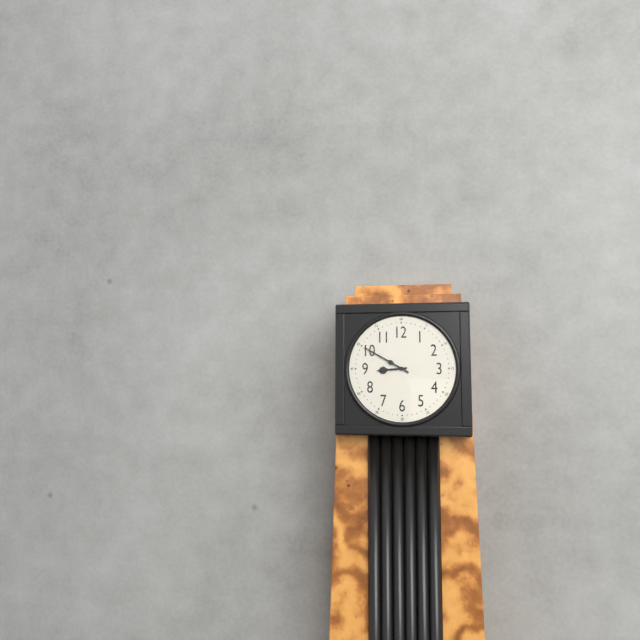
h=8 m=50
